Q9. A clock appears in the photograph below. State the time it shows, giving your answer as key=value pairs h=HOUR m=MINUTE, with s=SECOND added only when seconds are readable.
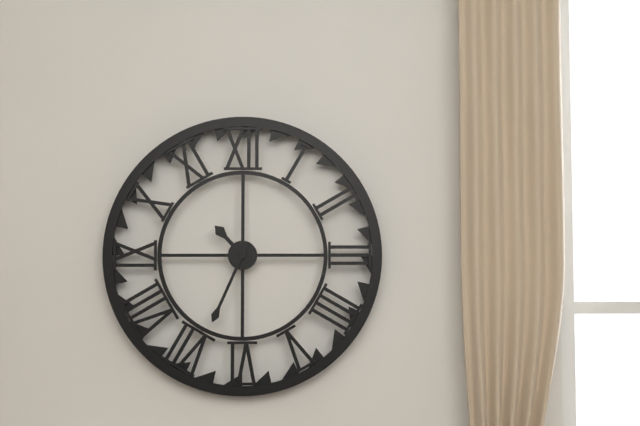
h=10 m=34
